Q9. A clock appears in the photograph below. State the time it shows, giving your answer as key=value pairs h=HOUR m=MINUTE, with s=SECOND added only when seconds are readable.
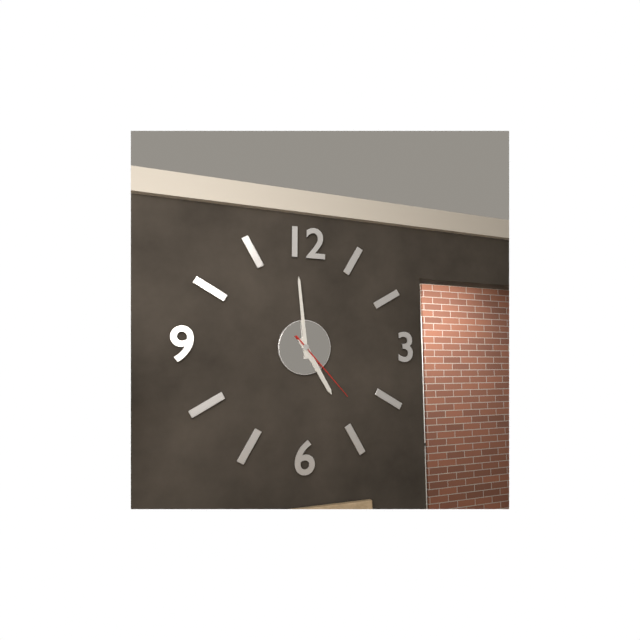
h=4 m=59 s=23
